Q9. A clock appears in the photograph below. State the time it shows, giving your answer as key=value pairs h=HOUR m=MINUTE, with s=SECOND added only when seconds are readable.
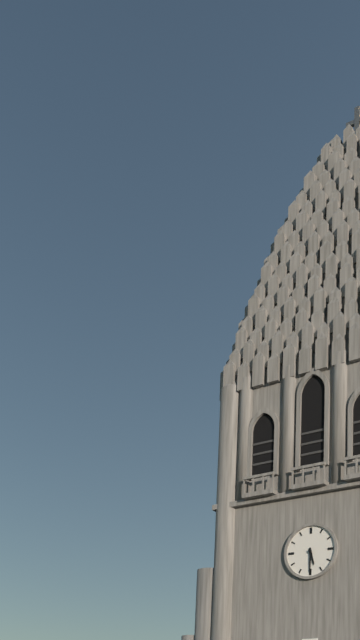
h=5 m=30
